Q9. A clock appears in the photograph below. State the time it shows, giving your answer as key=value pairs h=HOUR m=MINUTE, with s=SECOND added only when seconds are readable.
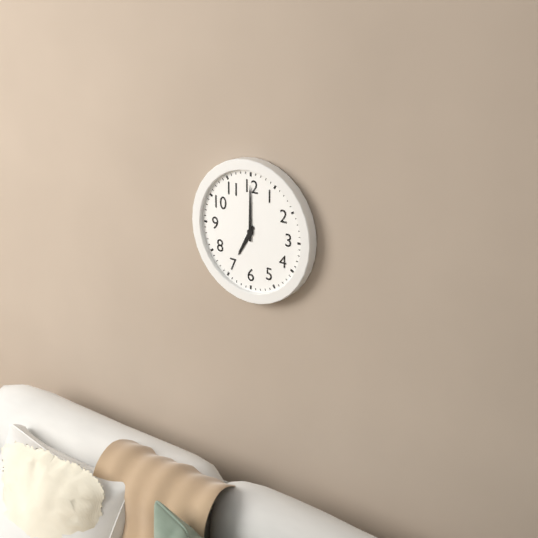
h=7 m=0
